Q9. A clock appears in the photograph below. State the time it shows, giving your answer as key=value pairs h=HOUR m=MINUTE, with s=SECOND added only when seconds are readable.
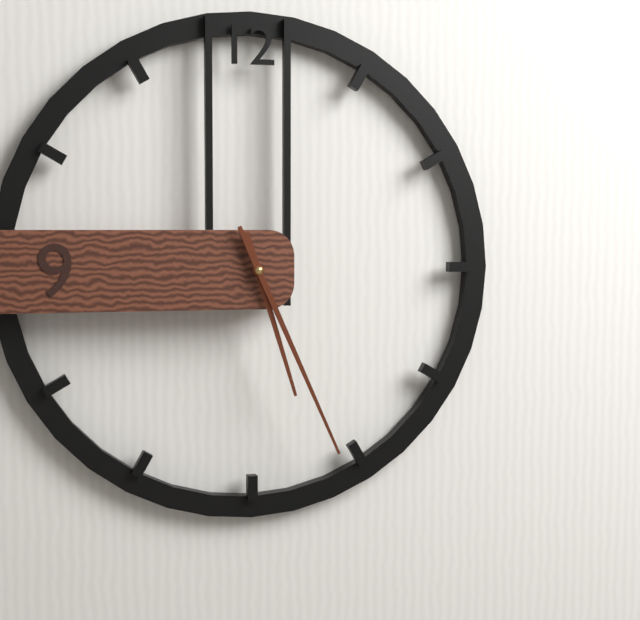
h=5 m=26
